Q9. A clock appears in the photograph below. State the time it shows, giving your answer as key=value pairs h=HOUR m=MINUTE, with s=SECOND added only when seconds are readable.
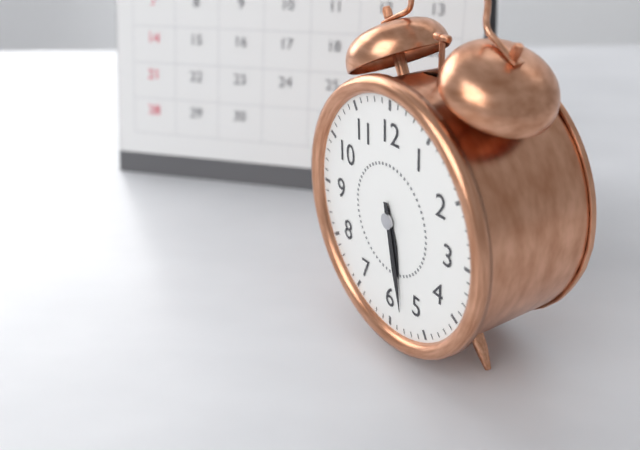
h=5 m=28
